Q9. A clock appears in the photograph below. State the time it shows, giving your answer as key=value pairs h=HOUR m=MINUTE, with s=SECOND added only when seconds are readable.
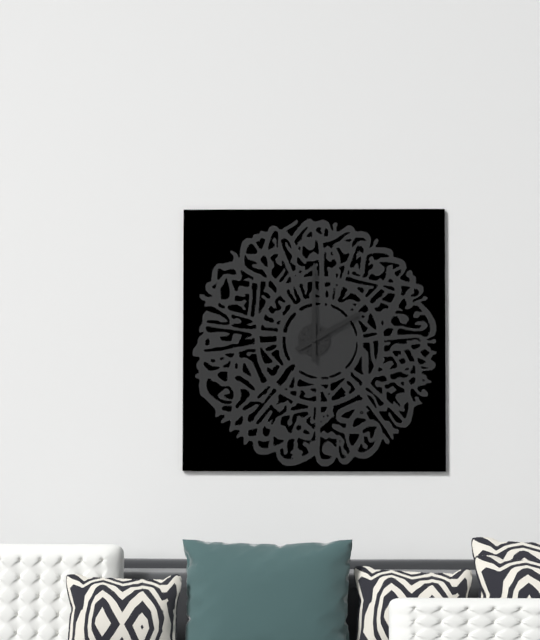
h=2 m=0
